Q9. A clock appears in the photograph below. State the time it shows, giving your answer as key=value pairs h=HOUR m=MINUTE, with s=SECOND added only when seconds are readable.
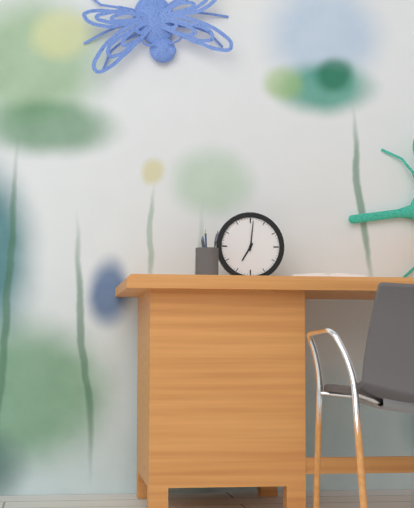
h=7 m=1
